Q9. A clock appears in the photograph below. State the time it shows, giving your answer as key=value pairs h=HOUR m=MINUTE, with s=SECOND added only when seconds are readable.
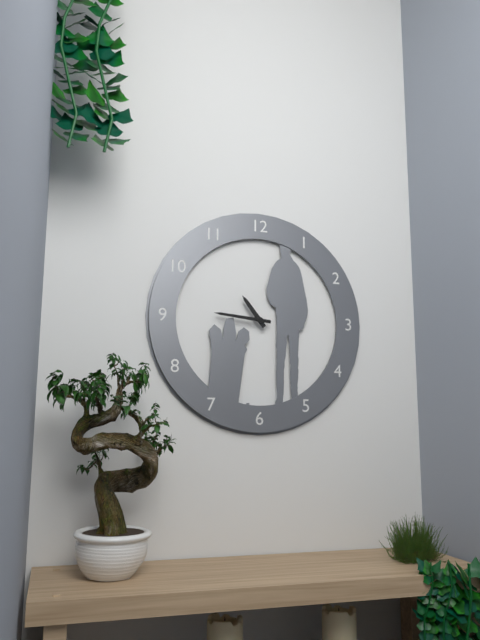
h=10 m=46
